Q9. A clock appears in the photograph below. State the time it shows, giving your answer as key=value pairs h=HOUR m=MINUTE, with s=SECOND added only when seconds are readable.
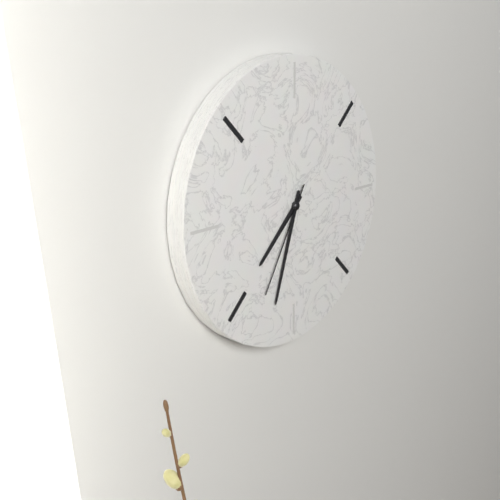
h=7 m=33 s=35
